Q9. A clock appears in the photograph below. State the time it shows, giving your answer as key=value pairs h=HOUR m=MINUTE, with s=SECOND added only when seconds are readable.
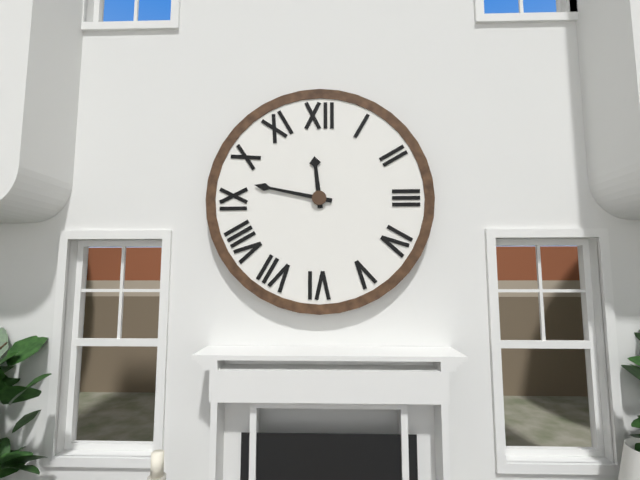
h=11 m=47
